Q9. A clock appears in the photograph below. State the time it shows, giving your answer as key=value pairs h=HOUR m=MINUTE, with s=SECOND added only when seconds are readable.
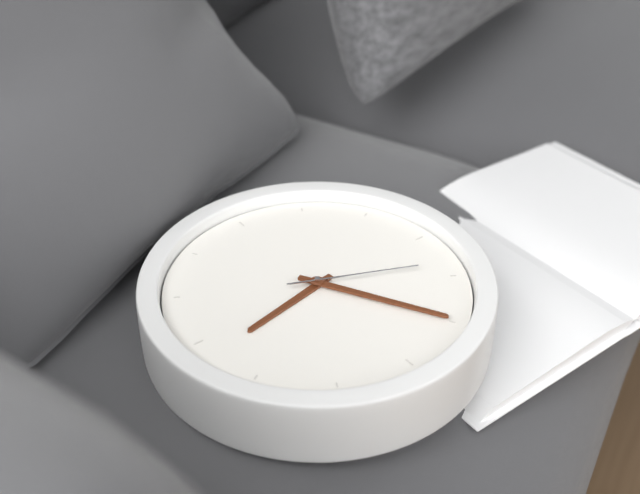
h=11 m=40 s=34
